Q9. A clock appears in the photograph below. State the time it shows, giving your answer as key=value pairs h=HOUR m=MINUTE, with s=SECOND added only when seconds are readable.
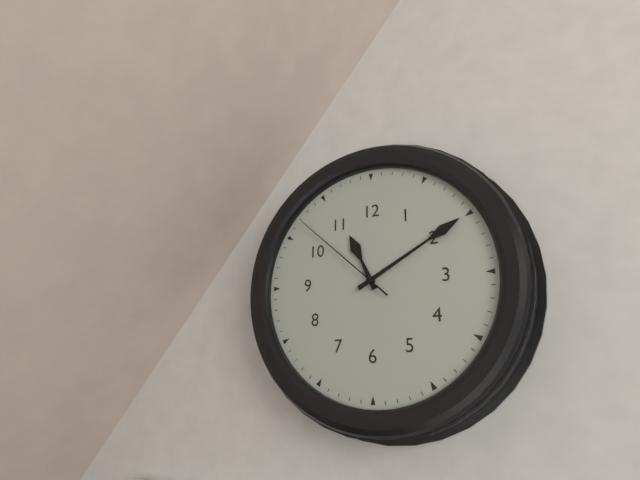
h=11 m=10 s=52
